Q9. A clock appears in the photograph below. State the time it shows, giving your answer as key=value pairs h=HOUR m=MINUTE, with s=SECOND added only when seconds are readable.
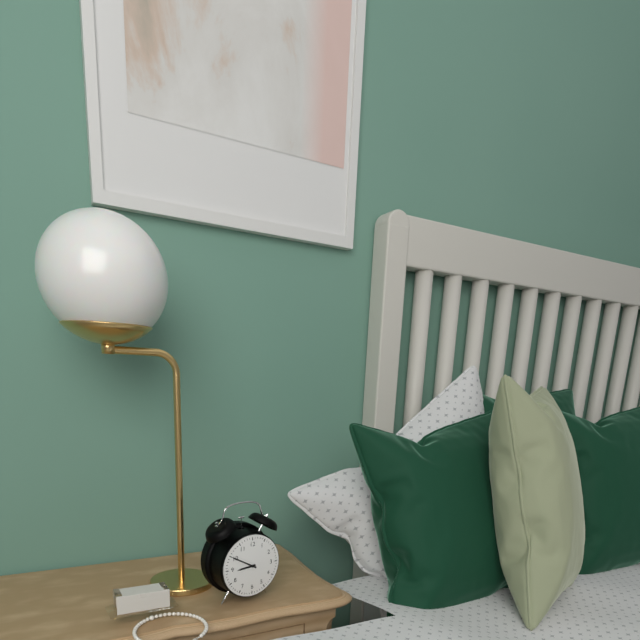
h=8 m=50
